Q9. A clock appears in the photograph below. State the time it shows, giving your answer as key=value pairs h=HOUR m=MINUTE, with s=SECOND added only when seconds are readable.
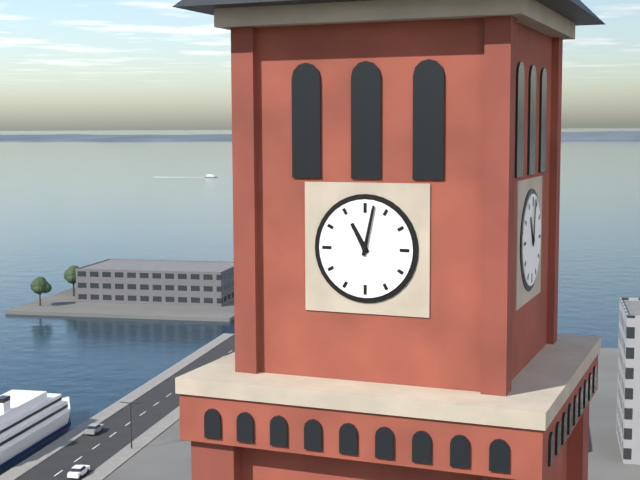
h=11 m=2
